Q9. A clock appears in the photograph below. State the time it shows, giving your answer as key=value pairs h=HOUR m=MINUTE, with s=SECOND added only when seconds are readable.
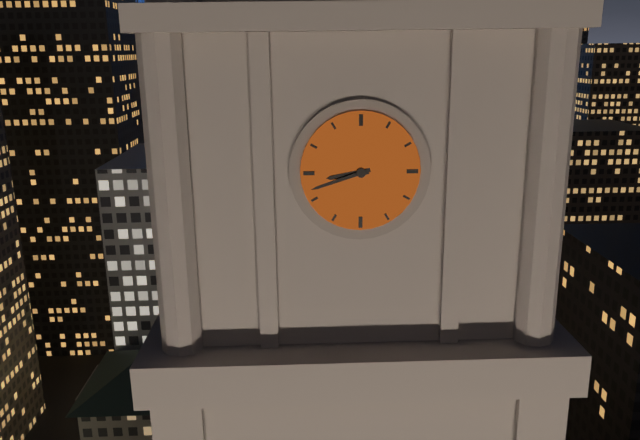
h=8 m=42
